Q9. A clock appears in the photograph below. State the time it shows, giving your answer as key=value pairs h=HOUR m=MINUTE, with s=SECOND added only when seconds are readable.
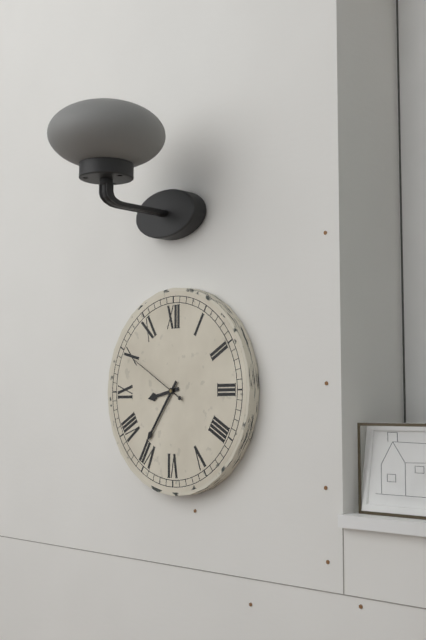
h=8 m=36 s=50
